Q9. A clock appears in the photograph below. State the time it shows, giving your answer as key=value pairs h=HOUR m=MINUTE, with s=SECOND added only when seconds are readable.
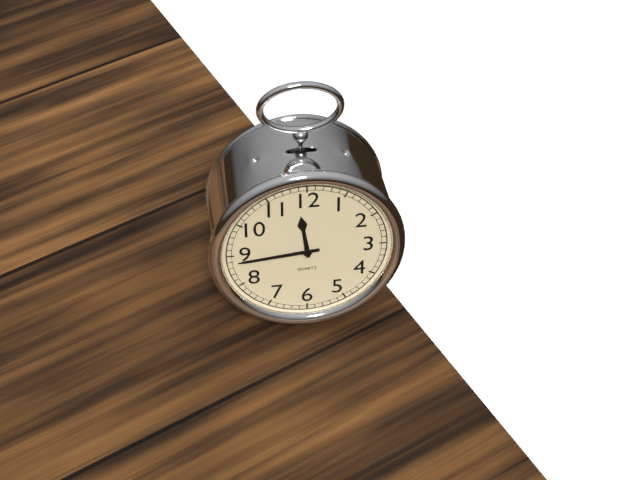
h=11 m=44
